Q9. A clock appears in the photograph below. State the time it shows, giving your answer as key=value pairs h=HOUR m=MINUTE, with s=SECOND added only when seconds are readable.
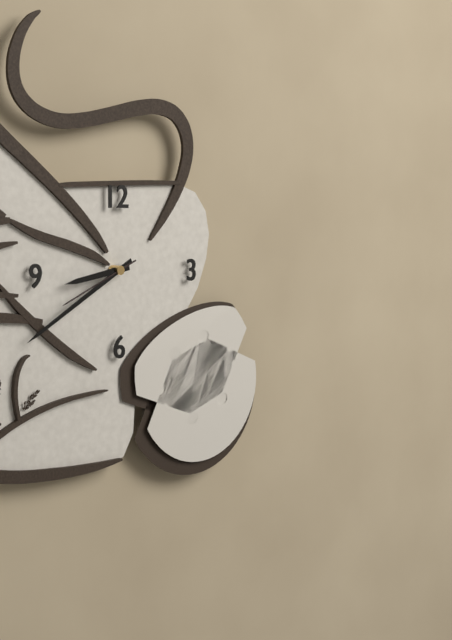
h=8 m=40 s=41
